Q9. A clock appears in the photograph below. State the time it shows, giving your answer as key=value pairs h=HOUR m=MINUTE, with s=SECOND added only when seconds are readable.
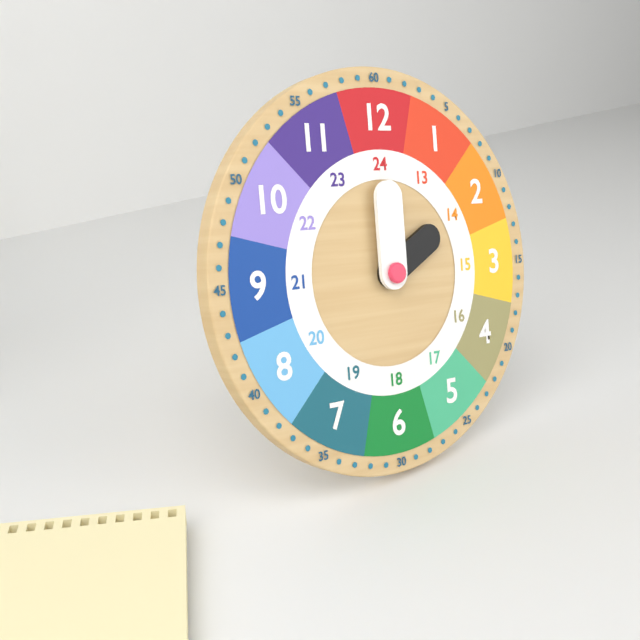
h=2 m=0
